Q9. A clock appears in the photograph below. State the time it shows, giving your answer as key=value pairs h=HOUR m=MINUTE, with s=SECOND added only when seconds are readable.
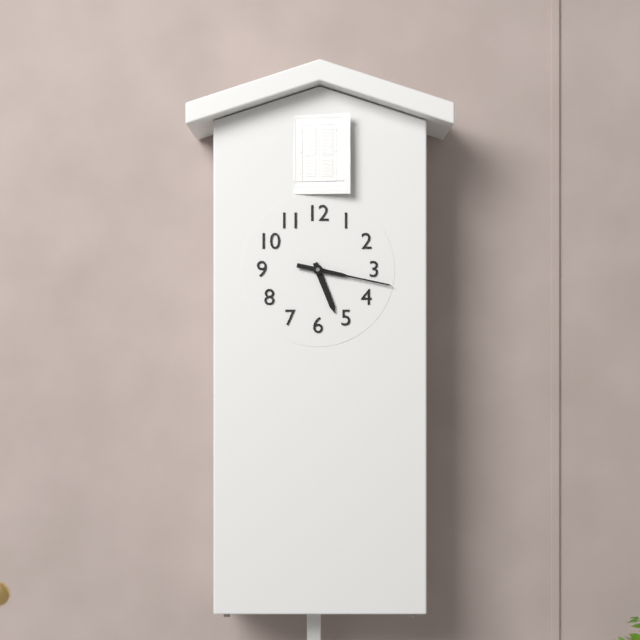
h=5 m=17
